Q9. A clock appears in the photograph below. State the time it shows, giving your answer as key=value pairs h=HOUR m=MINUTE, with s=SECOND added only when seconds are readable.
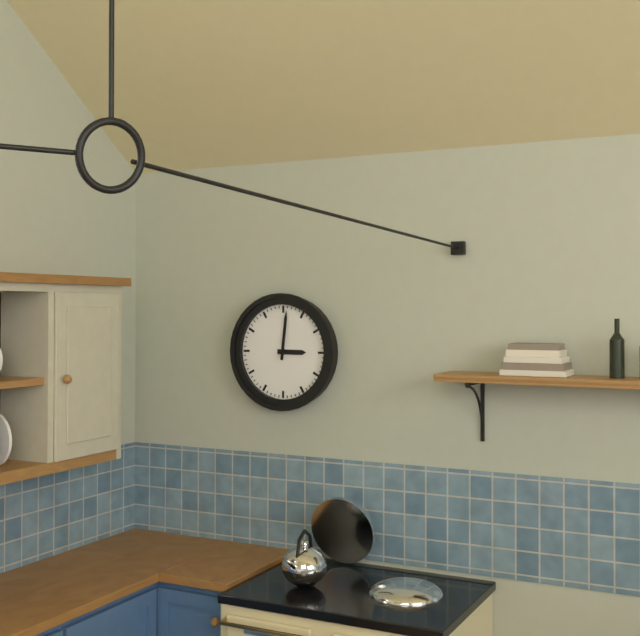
h=3 m=1
